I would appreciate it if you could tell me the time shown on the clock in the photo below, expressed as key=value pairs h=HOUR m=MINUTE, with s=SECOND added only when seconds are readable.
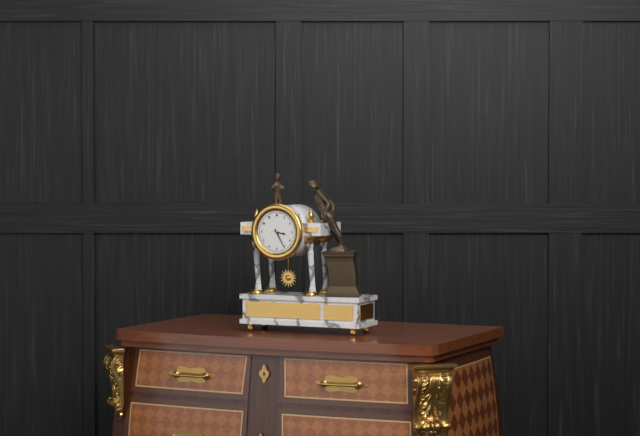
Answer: h=3 m=25
